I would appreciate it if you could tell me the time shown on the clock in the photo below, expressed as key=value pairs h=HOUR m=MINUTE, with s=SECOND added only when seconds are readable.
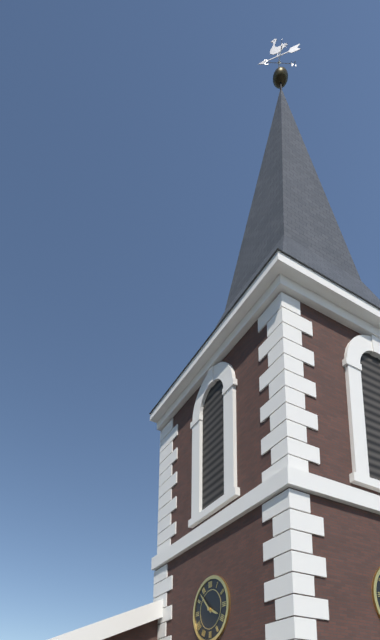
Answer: h=3 m=53
